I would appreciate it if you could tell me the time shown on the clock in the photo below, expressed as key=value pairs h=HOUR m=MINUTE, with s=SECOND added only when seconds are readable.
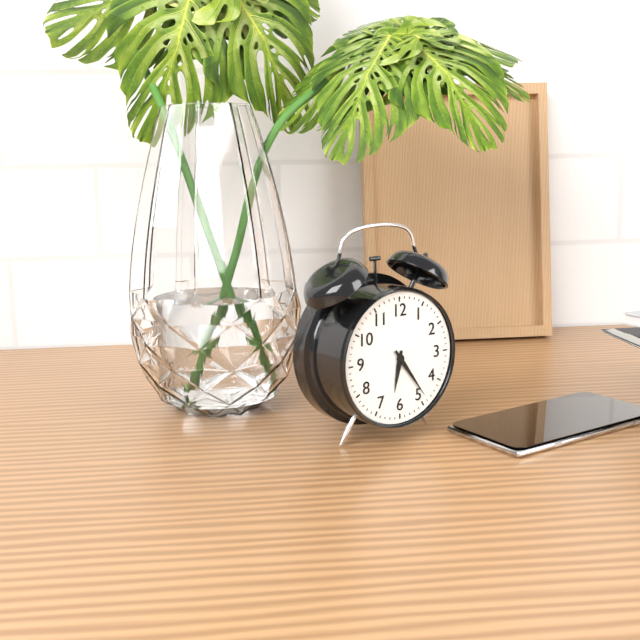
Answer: h=6 m=24
